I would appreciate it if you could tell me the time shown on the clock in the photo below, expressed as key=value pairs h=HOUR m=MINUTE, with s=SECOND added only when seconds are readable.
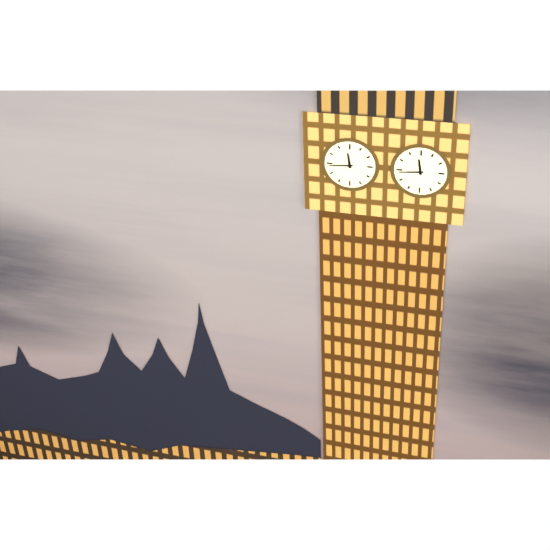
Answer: h=11 m=44
